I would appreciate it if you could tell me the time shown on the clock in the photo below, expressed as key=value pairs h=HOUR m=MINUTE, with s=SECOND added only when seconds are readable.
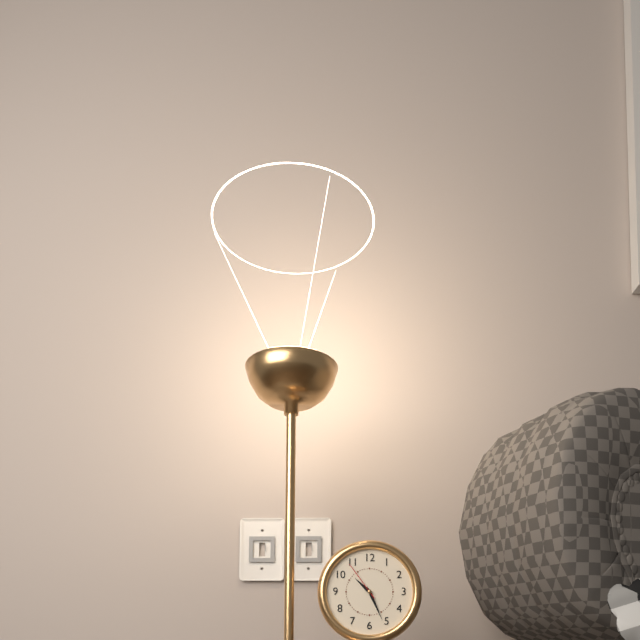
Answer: h=10 m=26
